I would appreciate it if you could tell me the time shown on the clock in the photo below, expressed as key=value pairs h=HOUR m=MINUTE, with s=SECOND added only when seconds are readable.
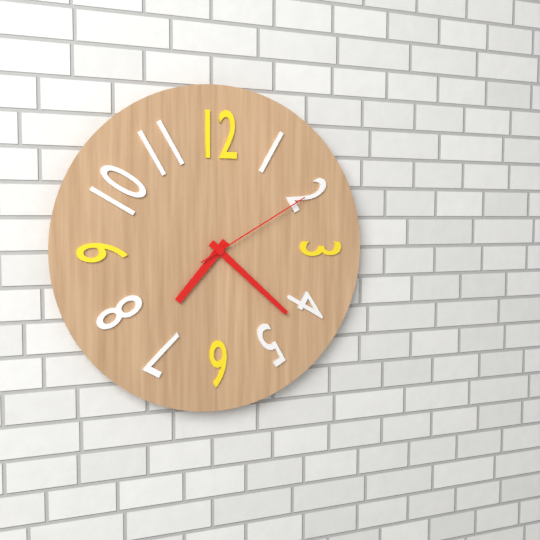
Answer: h=7 m=22 s=10
